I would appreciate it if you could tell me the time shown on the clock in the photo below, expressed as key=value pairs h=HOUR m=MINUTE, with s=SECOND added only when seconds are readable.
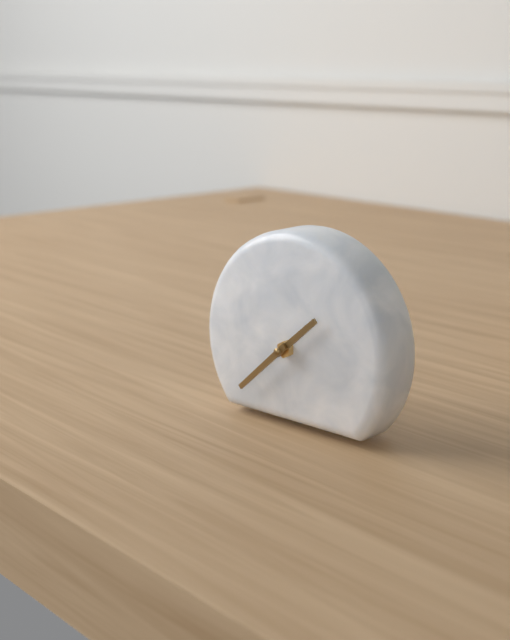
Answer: h=1 m=38
